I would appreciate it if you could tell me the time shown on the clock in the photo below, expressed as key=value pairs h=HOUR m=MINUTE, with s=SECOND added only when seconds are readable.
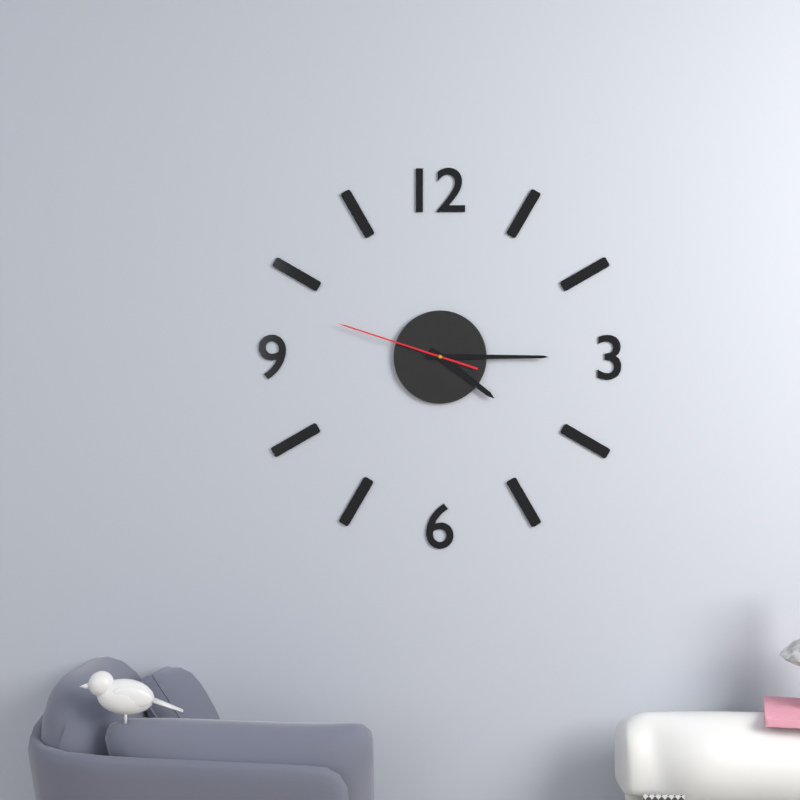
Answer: h=4 m=15 s=48
